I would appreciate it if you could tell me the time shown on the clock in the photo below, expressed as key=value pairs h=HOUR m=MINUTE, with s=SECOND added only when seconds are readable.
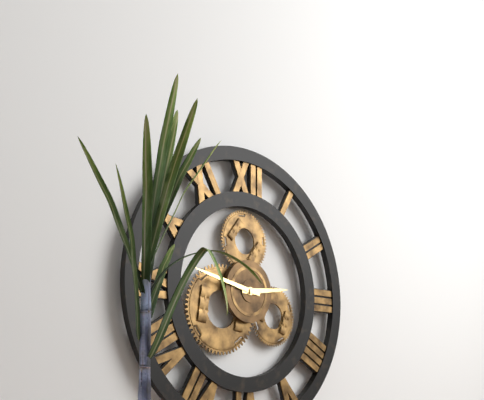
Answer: h=2 m=47
